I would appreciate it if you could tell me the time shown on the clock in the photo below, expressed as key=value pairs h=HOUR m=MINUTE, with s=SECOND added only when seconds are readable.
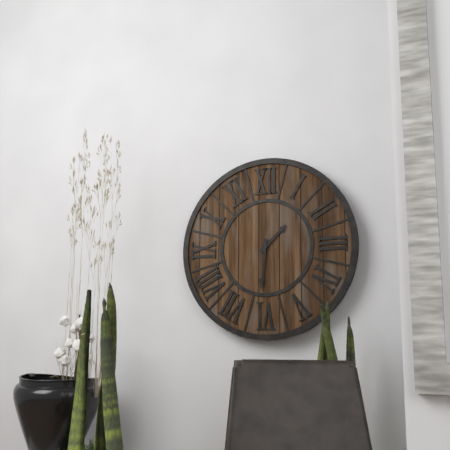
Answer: h=1 m=31
